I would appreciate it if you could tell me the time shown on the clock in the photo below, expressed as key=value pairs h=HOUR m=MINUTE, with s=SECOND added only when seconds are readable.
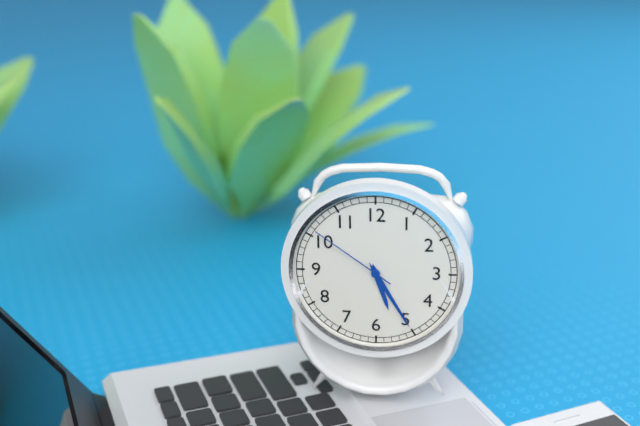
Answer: h=5 m=25 s=51
